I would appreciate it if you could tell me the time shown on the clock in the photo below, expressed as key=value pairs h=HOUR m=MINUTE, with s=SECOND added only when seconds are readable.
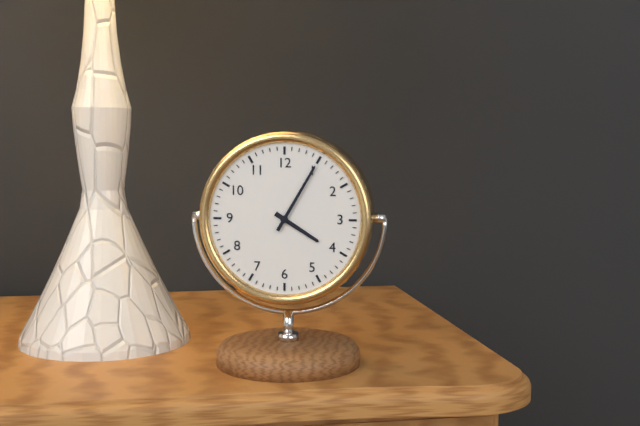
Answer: h=4 m=5
